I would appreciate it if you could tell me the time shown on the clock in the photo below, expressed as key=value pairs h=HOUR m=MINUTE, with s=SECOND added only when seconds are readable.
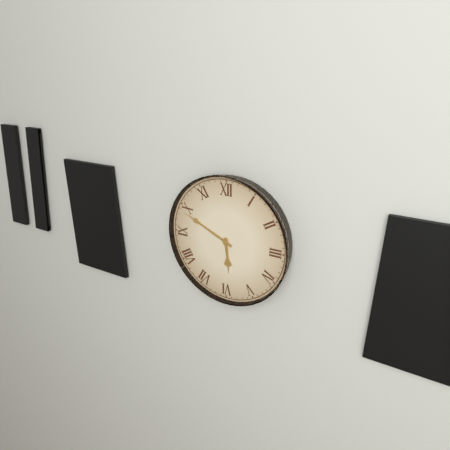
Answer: h=5 m=49
